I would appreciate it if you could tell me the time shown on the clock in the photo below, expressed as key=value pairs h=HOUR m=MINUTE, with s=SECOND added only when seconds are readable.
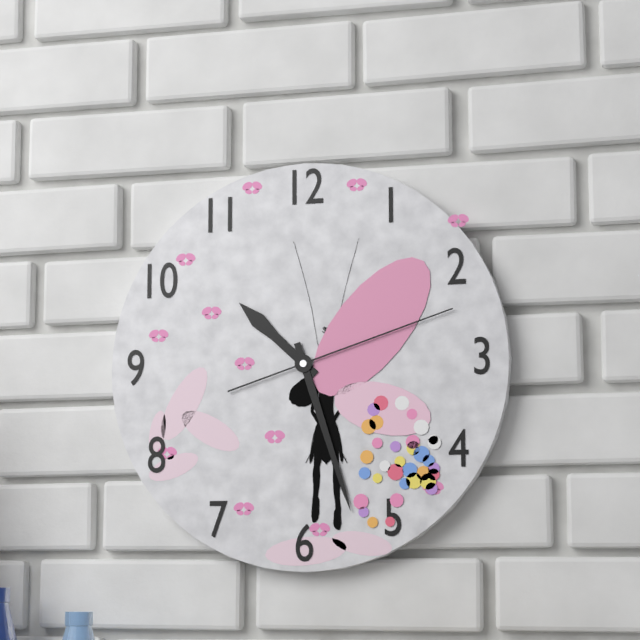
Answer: h=10 m=27 s=12
